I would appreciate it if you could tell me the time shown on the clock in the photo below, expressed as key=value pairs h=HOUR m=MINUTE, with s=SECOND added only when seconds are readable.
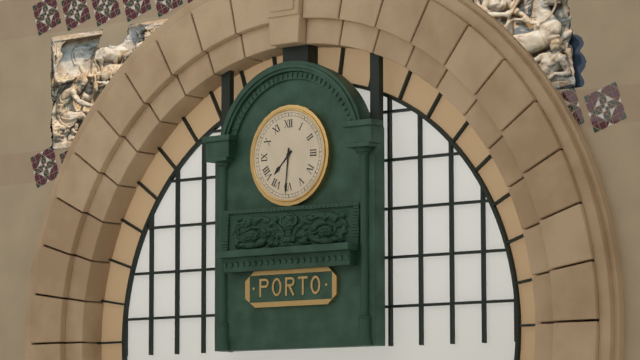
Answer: h=7 m=31
